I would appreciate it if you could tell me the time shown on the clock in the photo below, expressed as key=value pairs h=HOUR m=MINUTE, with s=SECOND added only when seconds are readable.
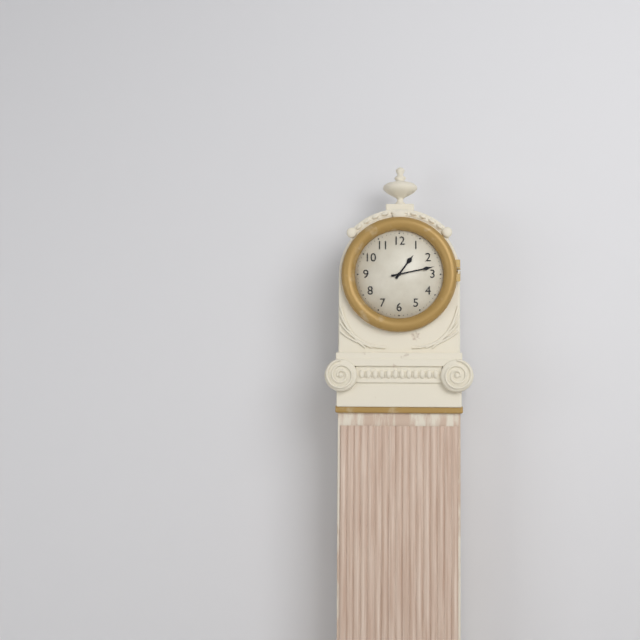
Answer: h=1 m=13
